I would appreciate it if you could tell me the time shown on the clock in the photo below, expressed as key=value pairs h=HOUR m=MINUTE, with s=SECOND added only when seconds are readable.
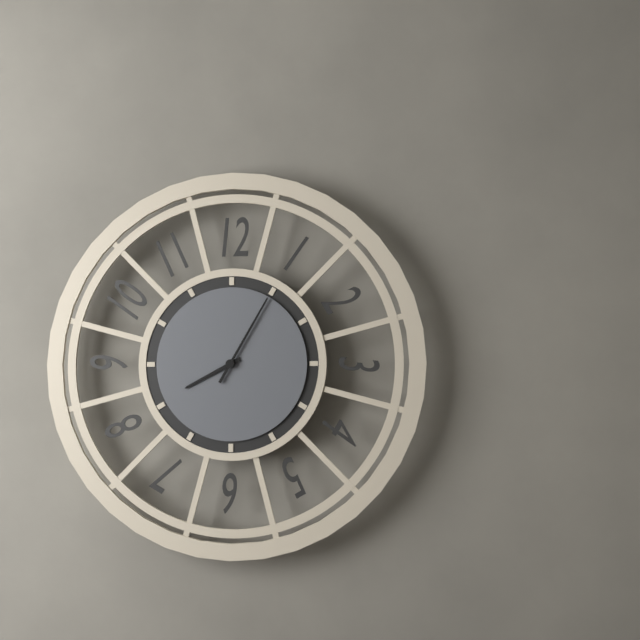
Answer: h=8 m=5
